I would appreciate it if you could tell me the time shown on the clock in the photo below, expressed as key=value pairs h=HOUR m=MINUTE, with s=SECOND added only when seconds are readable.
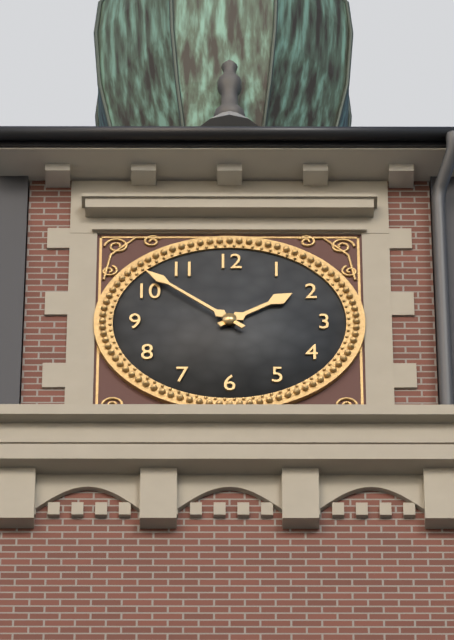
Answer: h=1 m=52
